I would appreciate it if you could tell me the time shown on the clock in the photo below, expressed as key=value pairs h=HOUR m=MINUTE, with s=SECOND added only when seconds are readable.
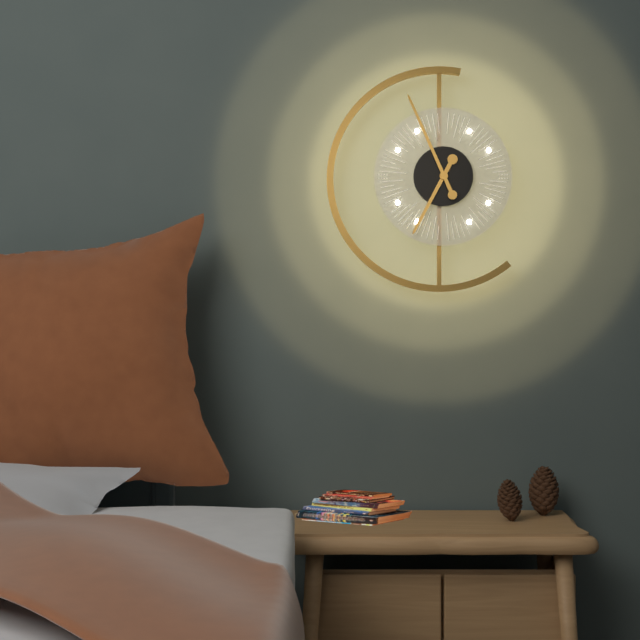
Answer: h=6 m=56
